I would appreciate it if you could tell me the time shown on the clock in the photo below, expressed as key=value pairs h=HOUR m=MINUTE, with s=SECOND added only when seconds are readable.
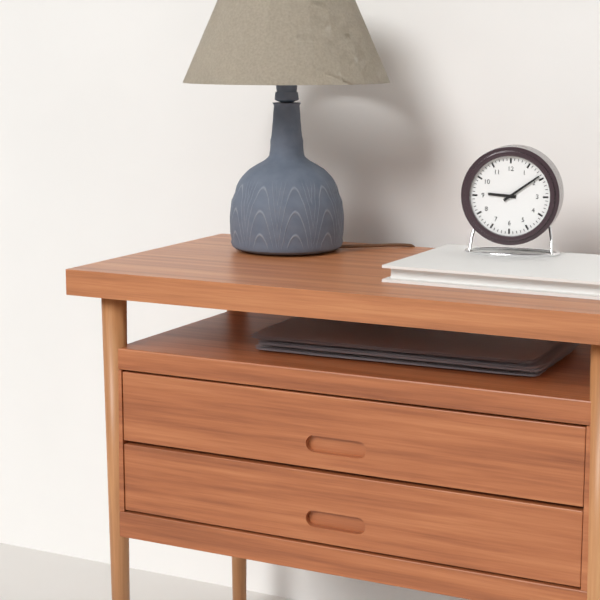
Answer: h=9 m=9
